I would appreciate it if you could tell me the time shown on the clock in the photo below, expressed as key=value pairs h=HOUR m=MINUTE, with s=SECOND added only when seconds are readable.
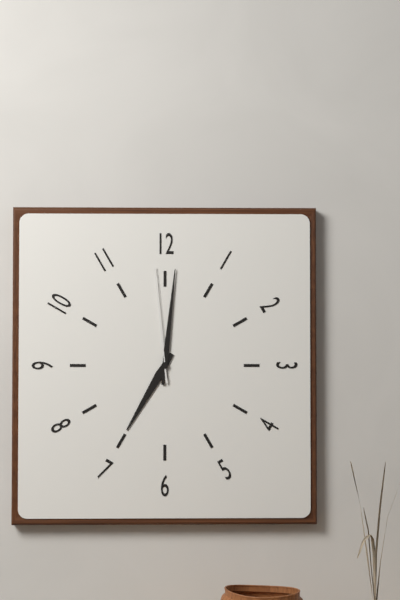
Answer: h=7 m=1 s=59
